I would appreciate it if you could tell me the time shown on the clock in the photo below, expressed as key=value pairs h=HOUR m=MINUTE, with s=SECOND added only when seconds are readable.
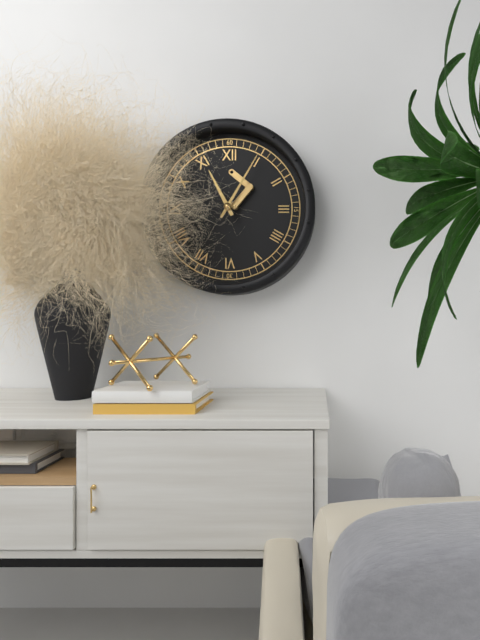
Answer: h=11 m=5
